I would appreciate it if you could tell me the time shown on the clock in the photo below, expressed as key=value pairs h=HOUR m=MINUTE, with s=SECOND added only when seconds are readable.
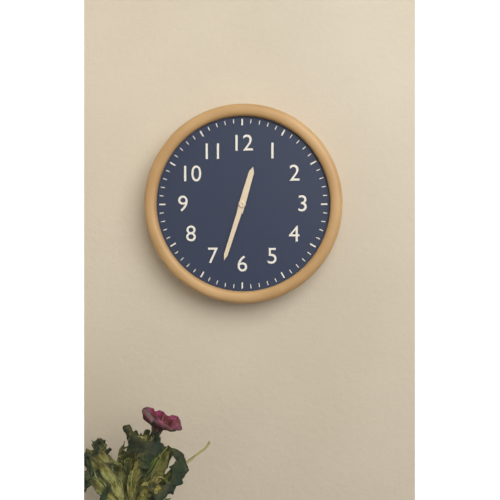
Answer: h=12 m=33
